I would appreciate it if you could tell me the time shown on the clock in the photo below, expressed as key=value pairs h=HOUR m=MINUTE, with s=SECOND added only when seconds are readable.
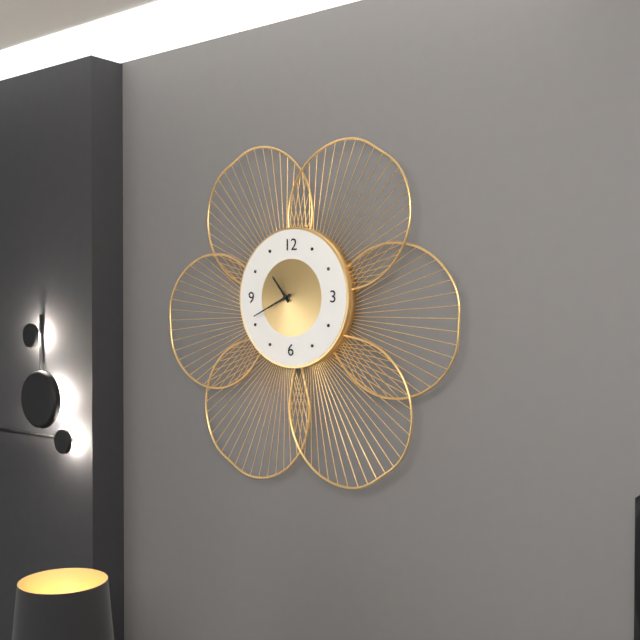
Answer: h=10 m=41
